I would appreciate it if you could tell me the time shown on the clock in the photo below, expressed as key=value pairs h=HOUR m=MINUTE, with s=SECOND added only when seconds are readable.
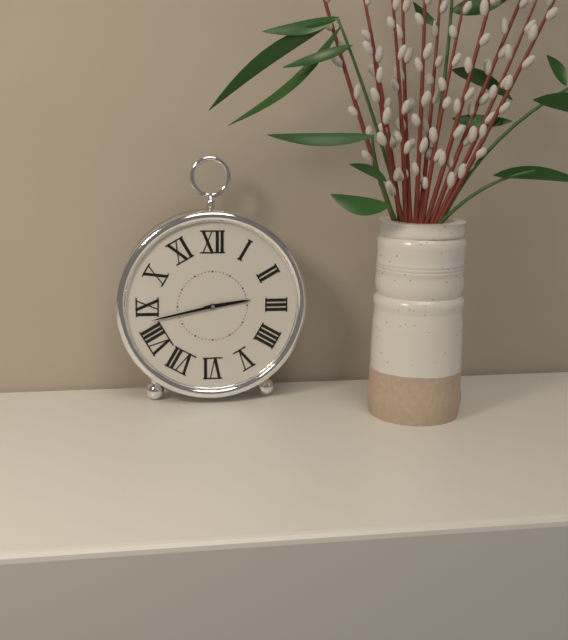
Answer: h=2 m=43
